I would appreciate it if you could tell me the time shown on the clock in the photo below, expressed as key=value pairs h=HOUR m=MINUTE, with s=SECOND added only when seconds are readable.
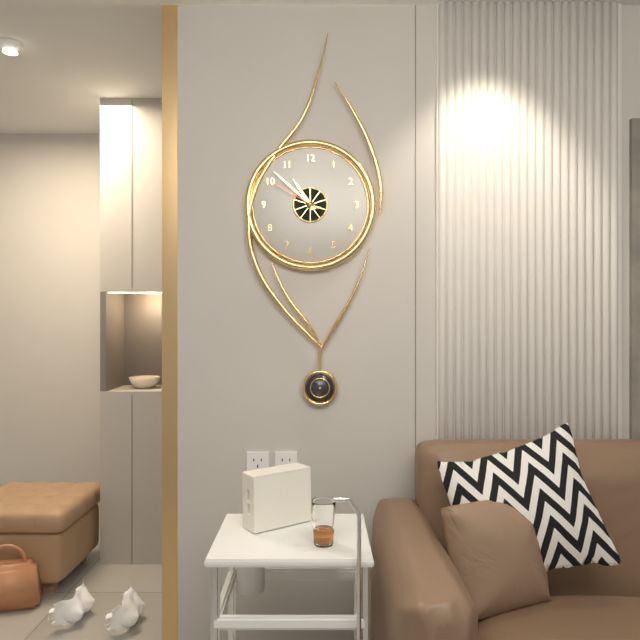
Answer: h=10 m=52 s=50
